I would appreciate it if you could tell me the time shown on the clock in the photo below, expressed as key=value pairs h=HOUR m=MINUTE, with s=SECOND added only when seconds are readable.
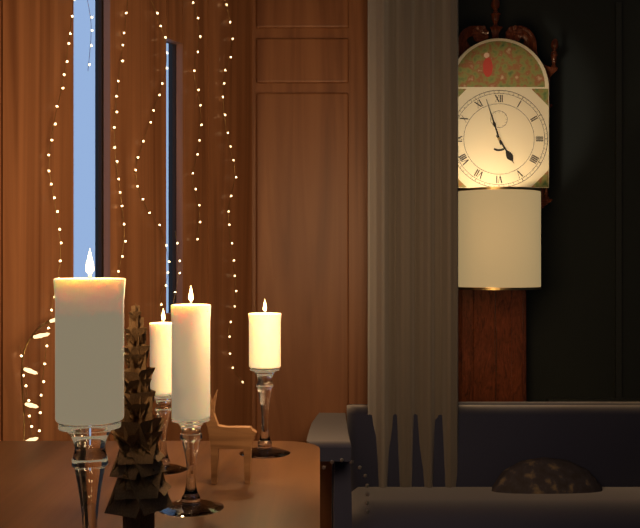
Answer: h=4 m=57
